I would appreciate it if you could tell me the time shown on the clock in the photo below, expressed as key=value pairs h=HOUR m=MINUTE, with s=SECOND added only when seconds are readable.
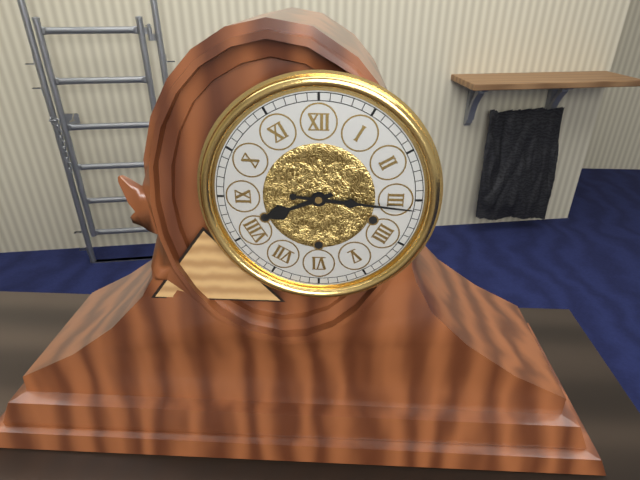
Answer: h=8 m=16
